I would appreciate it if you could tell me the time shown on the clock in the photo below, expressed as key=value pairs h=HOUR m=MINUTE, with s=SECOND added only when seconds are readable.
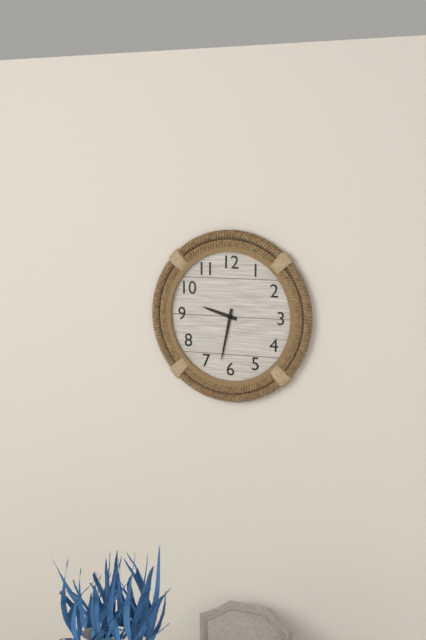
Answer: h=9 m=32
